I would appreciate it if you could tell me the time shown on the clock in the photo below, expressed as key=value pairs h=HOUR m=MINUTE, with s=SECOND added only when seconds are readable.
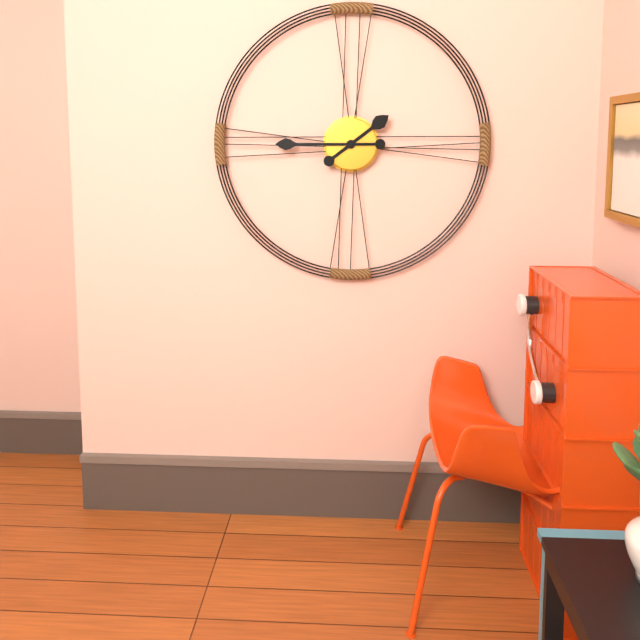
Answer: h=1 m=45
